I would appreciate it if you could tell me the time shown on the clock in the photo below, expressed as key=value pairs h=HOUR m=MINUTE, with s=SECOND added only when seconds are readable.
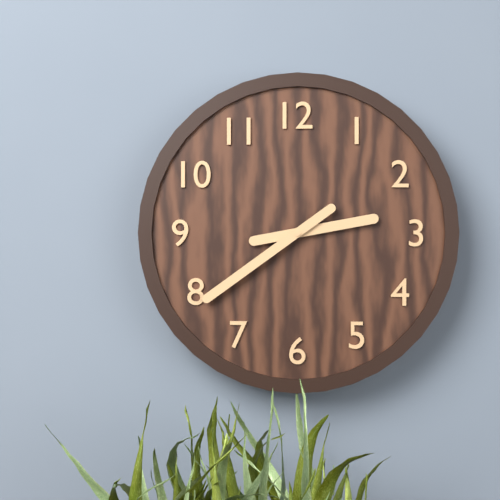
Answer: h=2 m=39
